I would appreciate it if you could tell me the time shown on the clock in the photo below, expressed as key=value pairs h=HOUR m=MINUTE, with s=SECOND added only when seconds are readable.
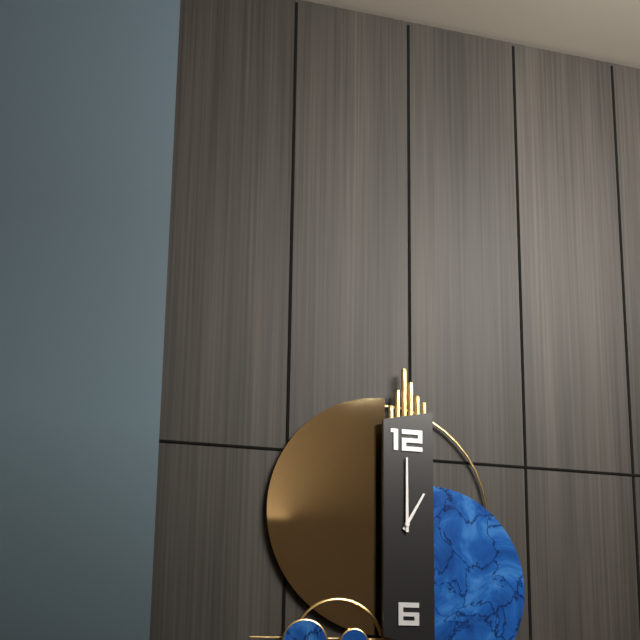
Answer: h=1 m=0
